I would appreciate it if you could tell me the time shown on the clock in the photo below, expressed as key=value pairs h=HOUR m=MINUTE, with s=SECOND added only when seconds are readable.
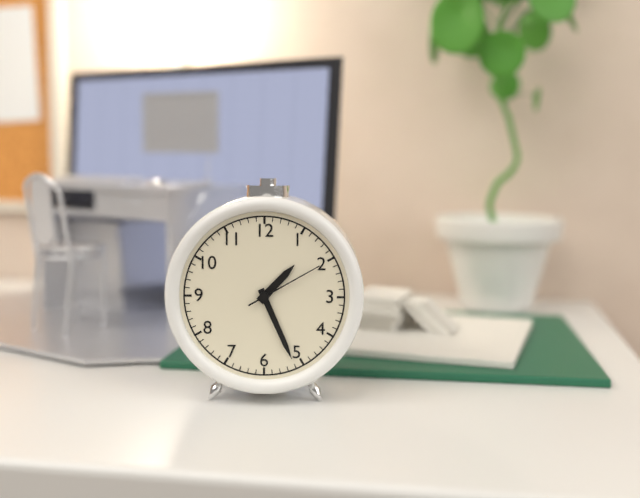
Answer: h=1 m=26 s=10
